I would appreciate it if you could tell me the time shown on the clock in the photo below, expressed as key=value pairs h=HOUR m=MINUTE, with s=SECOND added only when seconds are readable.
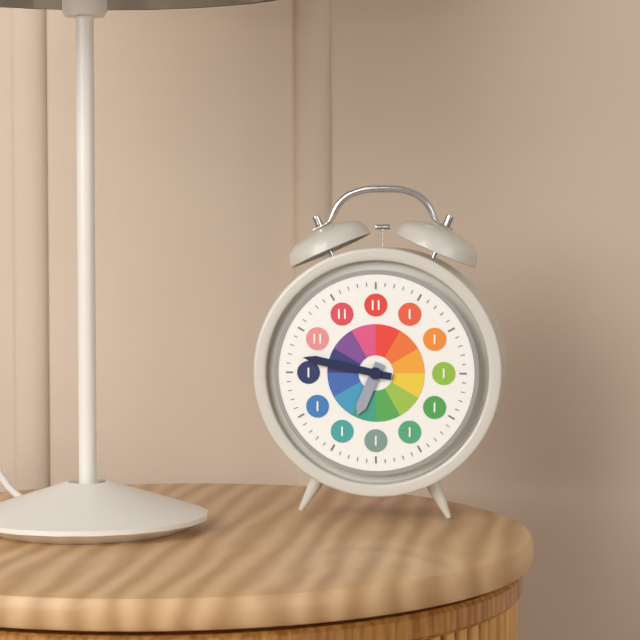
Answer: h=6 m=47
